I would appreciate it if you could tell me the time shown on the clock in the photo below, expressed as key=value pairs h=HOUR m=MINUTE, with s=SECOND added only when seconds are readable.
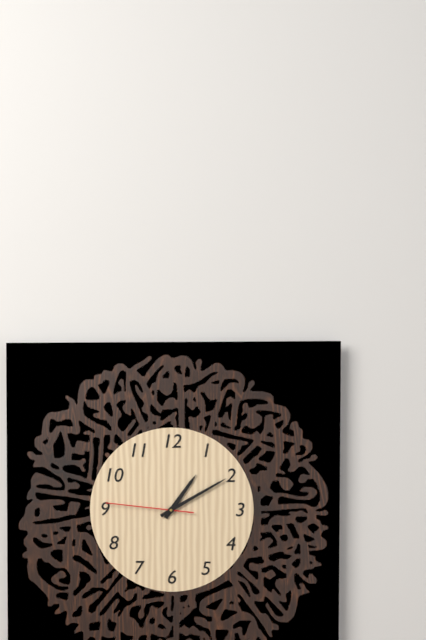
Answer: h=1 m=10 s=46
